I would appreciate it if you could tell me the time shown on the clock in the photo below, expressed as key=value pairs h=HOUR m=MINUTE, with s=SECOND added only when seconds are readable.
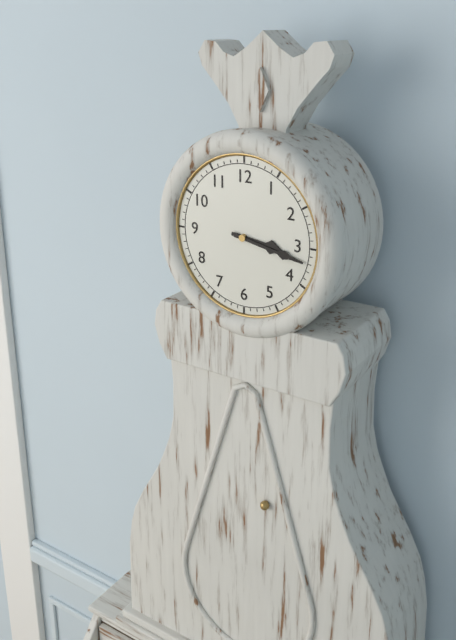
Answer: h=3 m=17
